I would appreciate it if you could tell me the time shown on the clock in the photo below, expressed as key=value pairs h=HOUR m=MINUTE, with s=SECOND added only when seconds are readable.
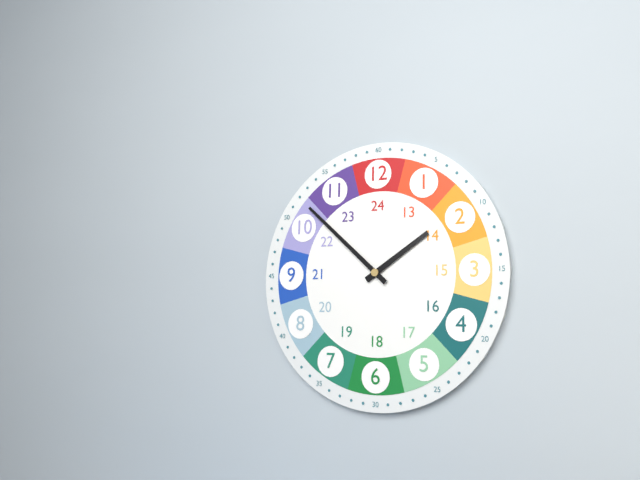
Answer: h=1 m=52
